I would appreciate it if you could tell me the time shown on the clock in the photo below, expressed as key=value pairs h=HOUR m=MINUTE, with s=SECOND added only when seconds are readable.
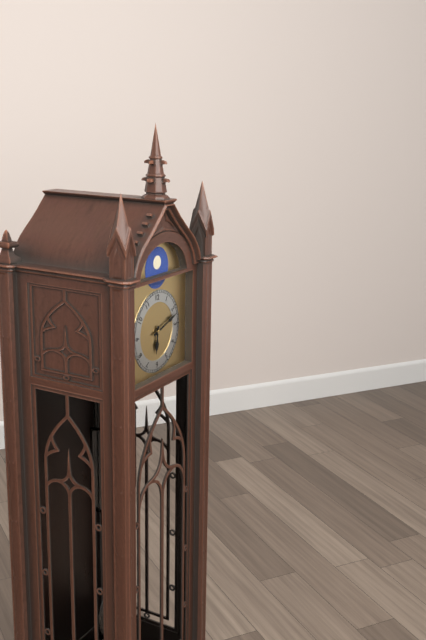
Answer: h=6 m=12
